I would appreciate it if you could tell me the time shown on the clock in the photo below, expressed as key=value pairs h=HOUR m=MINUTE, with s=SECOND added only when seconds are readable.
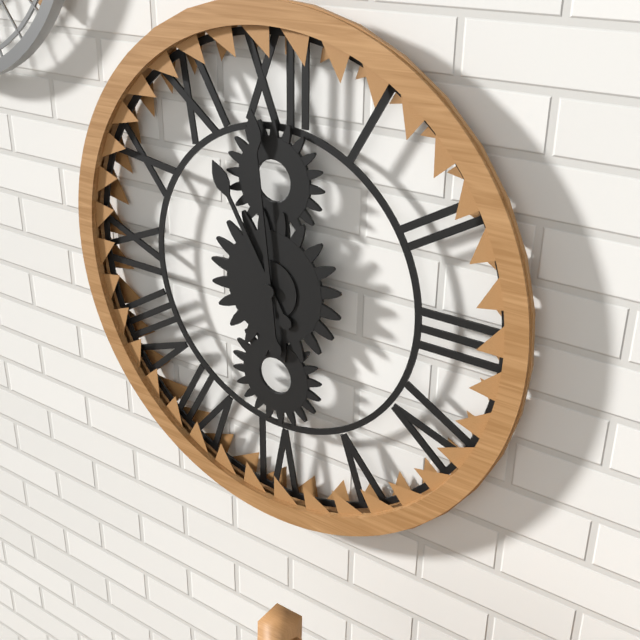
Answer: h=10 m=59
